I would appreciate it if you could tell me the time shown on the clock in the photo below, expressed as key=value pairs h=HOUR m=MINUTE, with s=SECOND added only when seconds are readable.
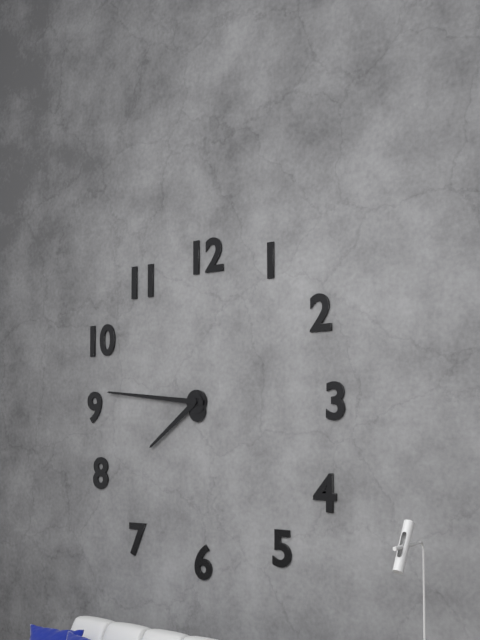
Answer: h=7 m=46
